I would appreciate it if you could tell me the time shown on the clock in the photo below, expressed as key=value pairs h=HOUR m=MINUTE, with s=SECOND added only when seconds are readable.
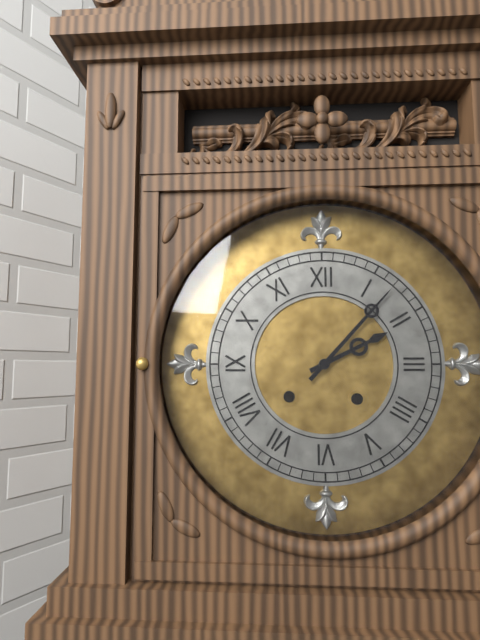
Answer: h=2 m=7
